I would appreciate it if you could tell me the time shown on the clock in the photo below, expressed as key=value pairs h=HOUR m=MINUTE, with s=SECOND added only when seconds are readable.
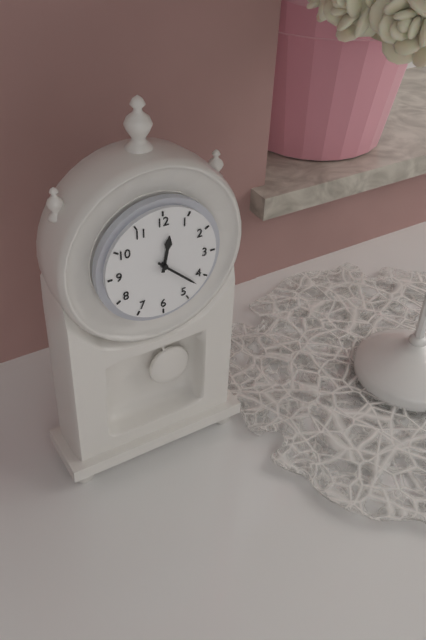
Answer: h=12 m=22
